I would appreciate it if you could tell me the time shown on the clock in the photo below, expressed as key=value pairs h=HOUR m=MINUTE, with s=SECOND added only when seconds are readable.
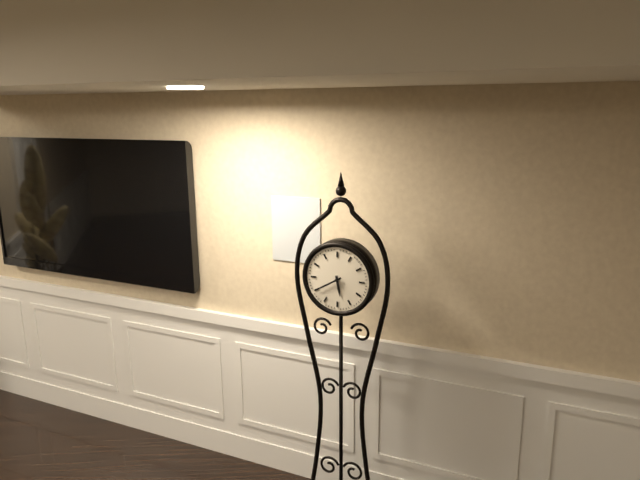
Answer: h=5 m=40
